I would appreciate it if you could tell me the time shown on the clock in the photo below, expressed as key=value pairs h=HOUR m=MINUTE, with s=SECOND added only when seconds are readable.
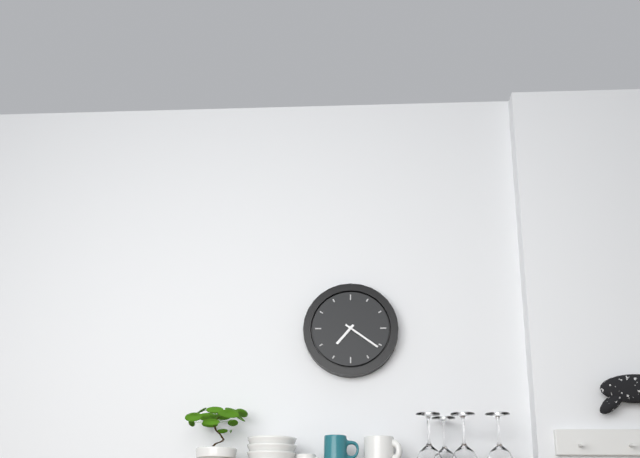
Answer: h=7 m=21
